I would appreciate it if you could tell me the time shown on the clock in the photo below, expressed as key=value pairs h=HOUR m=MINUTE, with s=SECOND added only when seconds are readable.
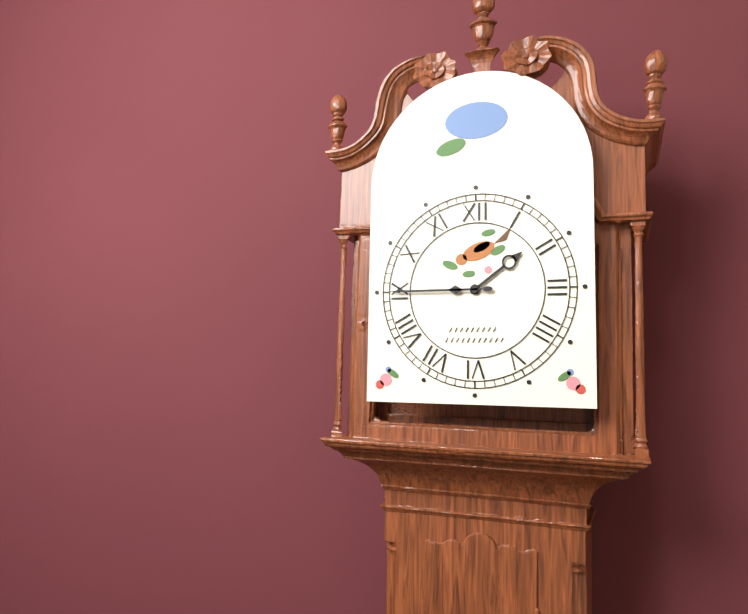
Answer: h=1 m=45
